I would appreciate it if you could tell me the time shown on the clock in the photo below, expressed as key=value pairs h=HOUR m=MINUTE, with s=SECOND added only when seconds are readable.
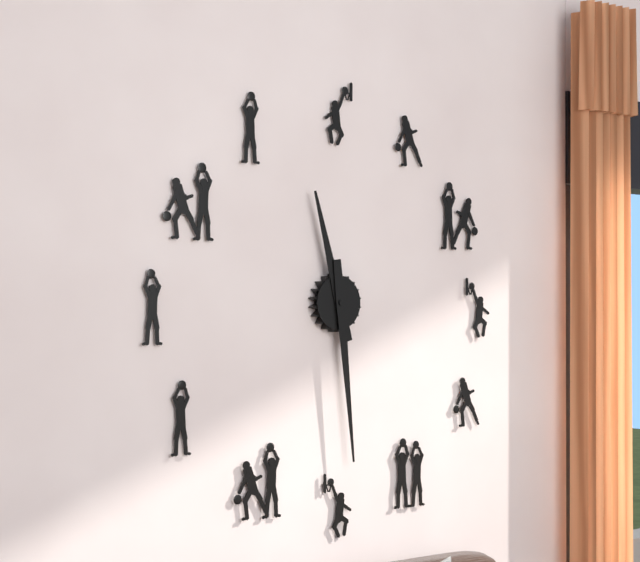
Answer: h=11 m=29
